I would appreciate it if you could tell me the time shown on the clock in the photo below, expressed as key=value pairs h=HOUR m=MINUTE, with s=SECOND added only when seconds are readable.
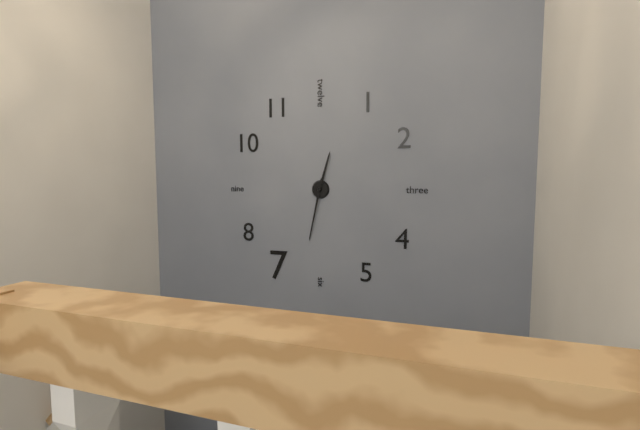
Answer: h=12 m=32
